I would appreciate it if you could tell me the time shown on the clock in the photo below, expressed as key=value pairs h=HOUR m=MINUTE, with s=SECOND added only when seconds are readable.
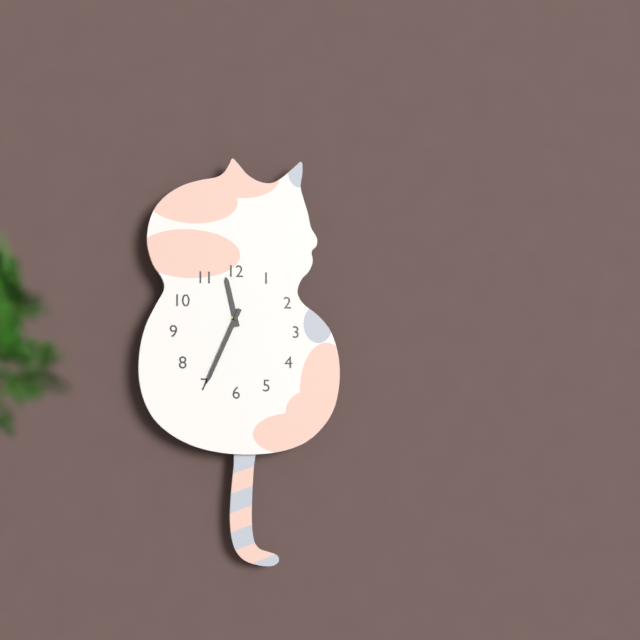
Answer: h=11 m=34
